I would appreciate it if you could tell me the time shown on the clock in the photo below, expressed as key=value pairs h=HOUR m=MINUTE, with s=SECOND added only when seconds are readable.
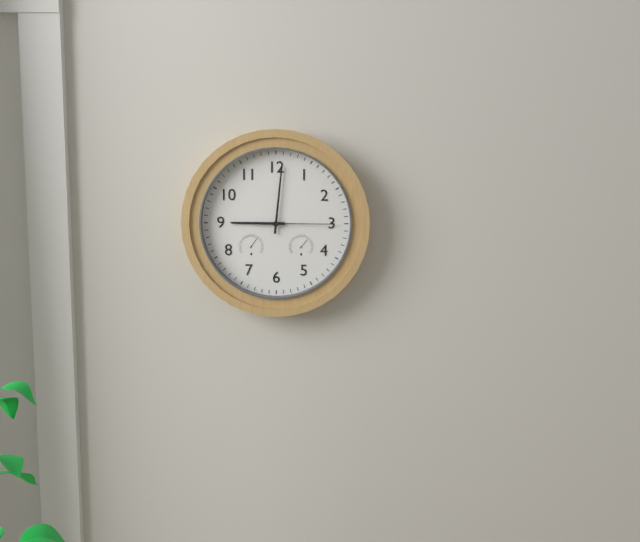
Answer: h=9 m=1 s=15
